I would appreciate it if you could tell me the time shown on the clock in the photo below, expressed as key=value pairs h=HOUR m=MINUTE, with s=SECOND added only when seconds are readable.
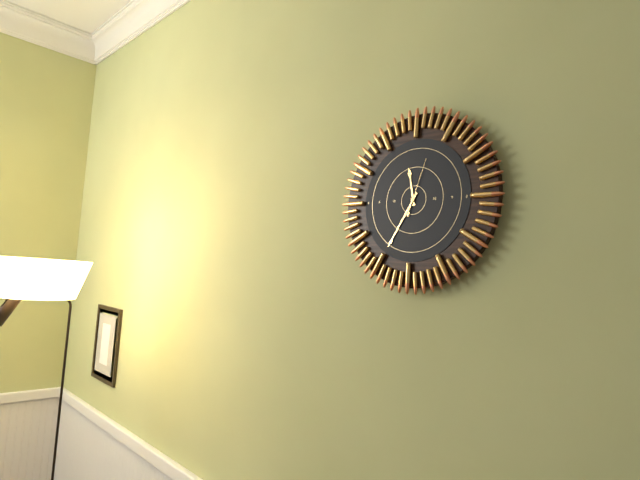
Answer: h=11 m=35 s=3
